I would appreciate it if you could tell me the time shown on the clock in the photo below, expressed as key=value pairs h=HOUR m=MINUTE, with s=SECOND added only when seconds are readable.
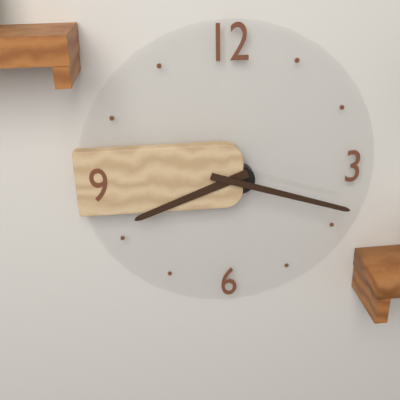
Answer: h=8 m=18
